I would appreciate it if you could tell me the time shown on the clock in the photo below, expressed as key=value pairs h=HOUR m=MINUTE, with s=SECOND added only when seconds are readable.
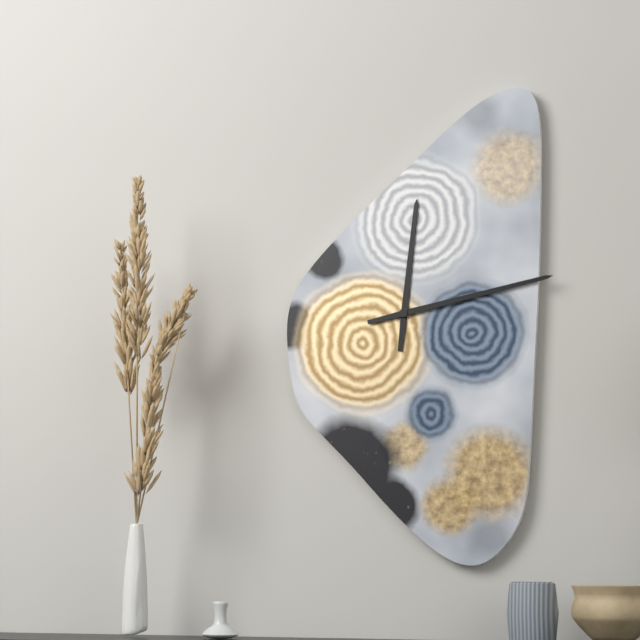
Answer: h=12 m=13
